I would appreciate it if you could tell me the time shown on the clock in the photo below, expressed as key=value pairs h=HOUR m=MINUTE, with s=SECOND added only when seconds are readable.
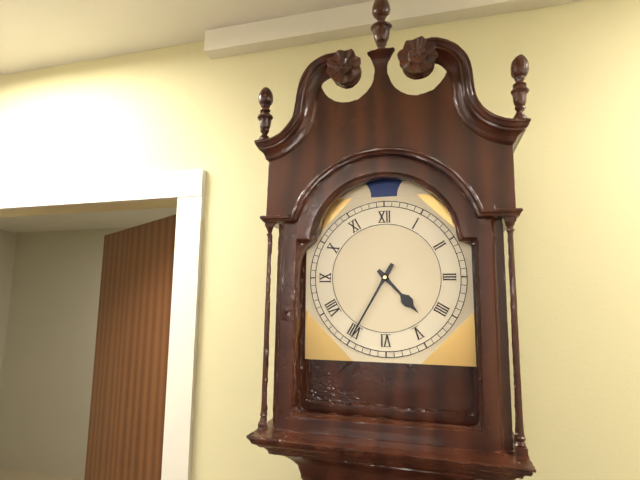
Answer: h=4 m=35
